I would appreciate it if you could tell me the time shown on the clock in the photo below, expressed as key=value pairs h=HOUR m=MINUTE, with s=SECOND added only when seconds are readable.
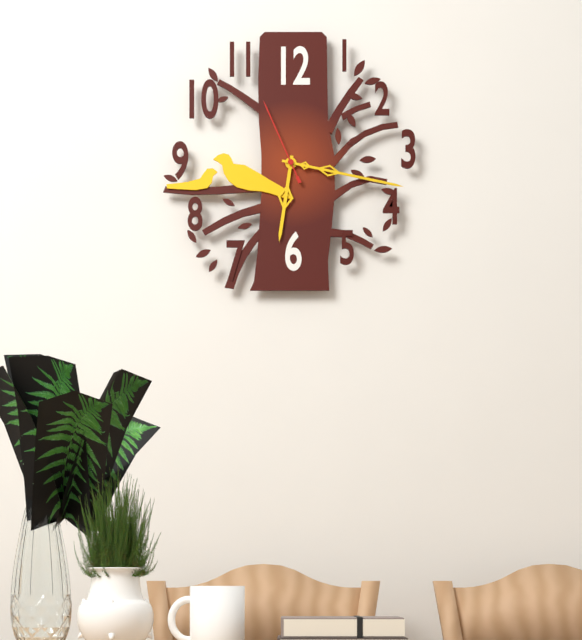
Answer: h=6 m=17 s=56
